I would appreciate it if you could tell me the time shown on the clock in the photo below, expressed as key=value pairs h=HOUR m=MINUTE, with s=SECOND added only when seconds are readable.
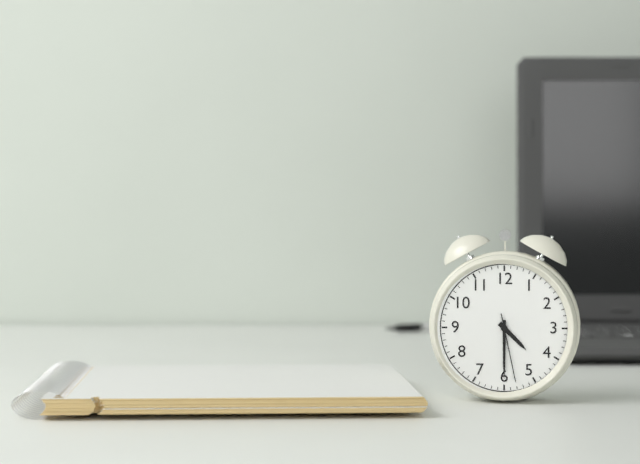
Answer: h=4 m=30 s=28
